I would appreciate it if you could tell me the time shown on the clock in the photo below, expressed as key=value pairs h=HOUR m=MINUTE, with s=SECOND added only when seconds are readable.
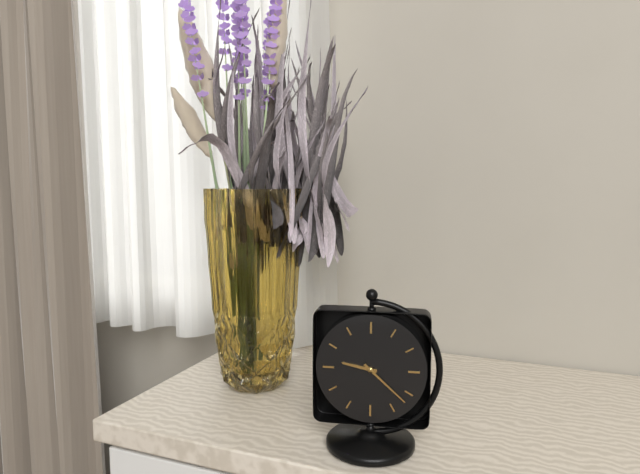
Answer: h=9 m=22
